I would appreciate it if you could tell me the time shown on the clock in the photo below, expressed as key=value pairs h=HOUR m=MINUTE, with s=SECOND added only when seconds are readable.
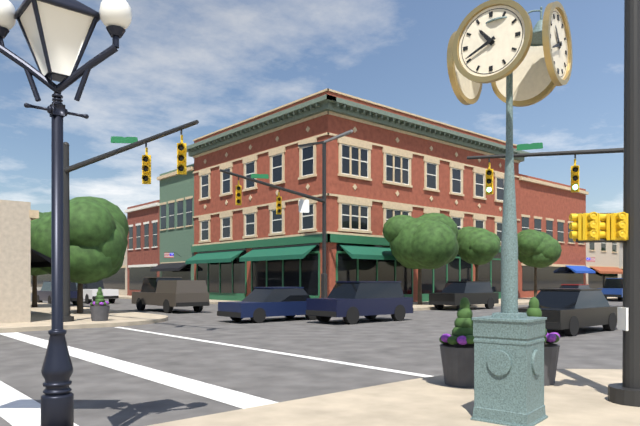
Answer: h=10 m=41
